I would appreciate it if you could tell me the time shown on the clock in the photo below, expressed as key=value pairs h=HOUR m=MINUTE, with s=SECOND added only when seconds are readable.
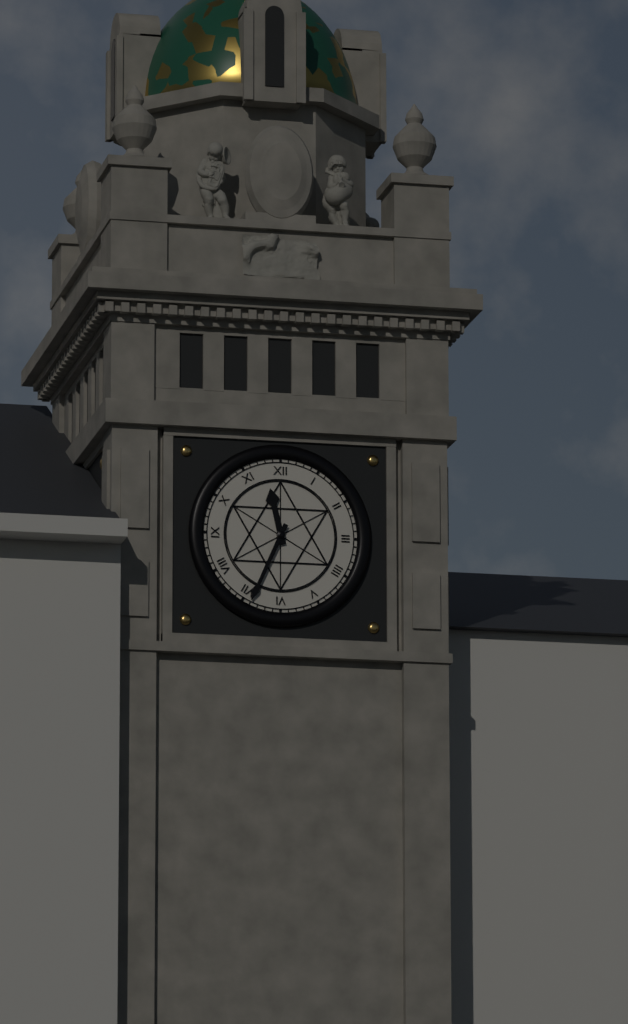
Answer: h=11 m=34
